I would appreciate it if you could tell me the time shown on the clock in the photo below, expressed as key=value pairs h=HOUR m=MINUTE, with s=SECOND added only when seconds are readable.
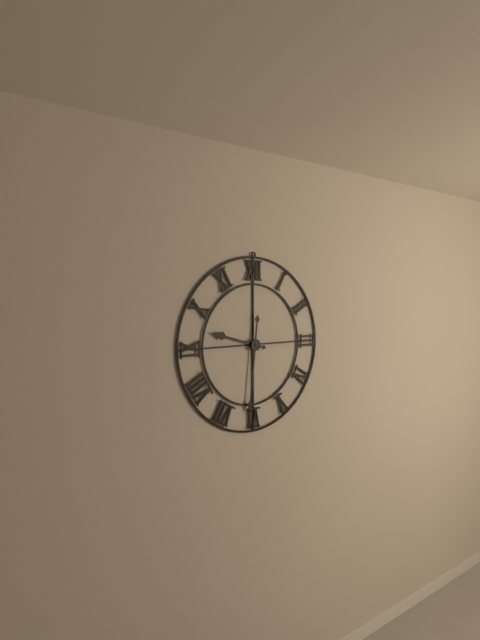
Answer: h=9 m=31
